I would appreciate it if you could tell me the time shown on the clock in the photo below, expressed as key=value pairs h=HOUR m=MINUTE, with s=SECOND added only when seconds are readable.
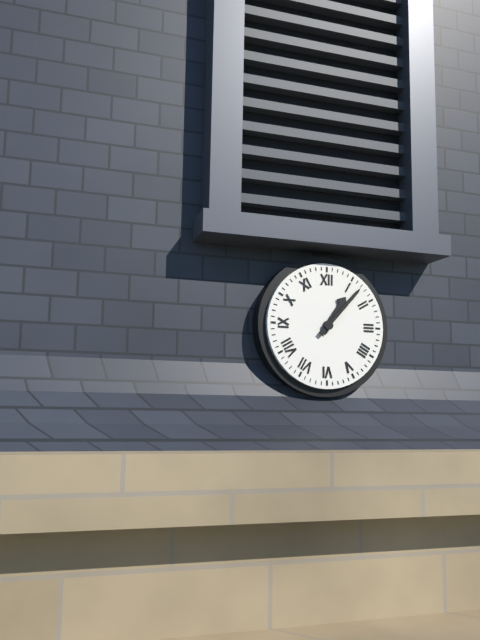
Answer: h=1 m=7
